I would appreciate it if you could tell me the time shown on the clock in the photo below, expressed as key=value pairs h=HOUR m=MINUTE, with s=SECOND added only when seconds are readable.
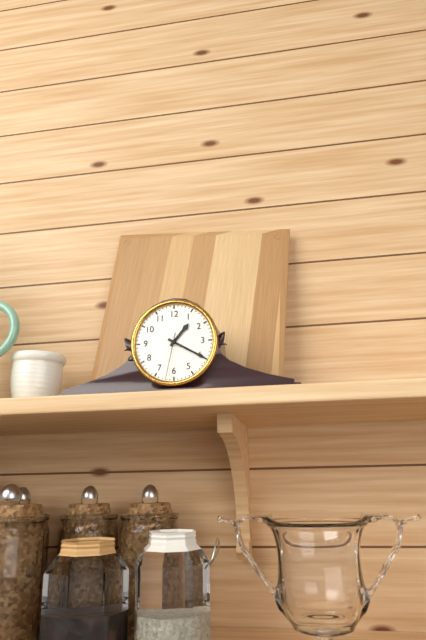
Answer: h=1 m=20
